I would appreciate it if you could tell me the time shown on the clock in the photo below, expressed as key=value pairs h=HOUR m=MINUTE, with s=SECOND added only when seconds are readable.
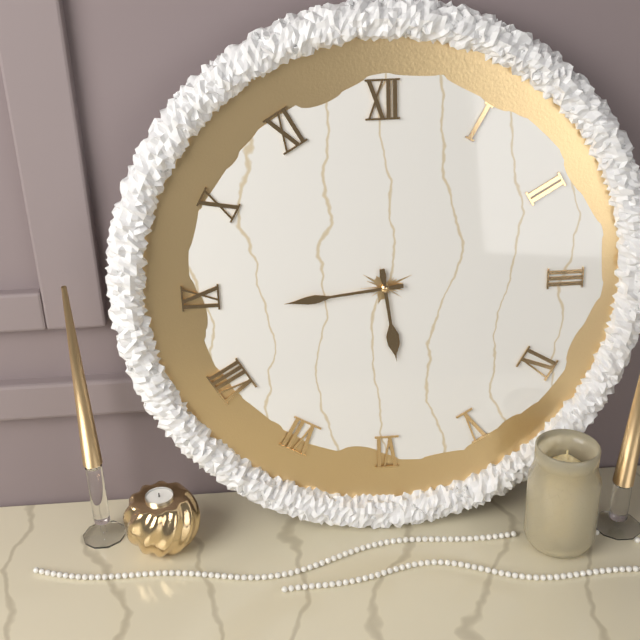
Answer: h=5 m=44
